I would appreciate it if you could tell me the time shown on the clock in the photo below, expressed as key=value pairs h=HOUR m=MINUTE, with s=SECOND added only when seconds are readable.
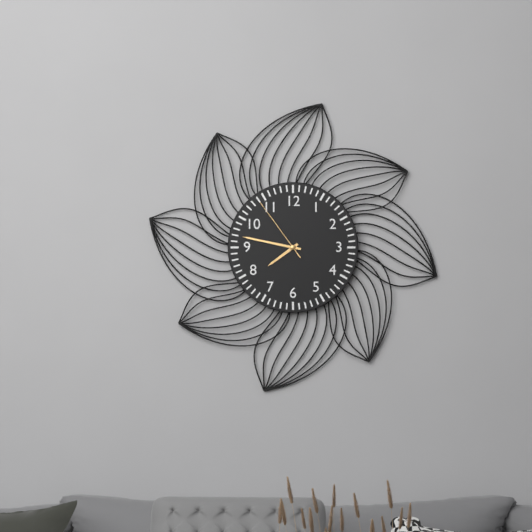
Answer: h=7 m=47 s=54
